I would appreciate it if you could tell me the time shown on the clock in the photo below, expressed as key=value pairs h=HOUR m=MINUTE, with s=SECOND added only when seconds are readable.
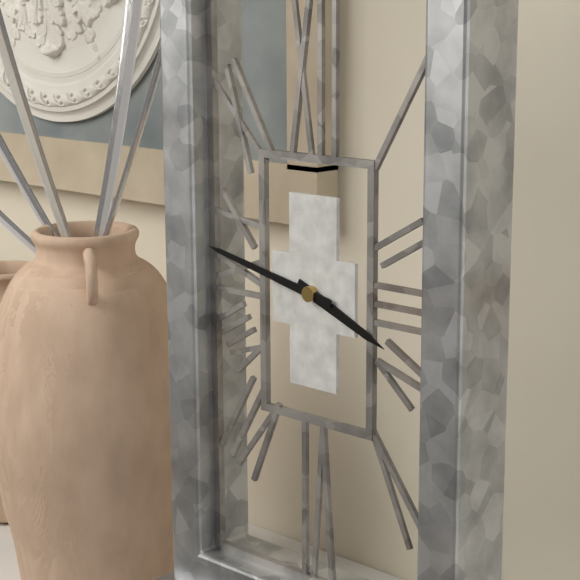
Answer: h=3 m=47
